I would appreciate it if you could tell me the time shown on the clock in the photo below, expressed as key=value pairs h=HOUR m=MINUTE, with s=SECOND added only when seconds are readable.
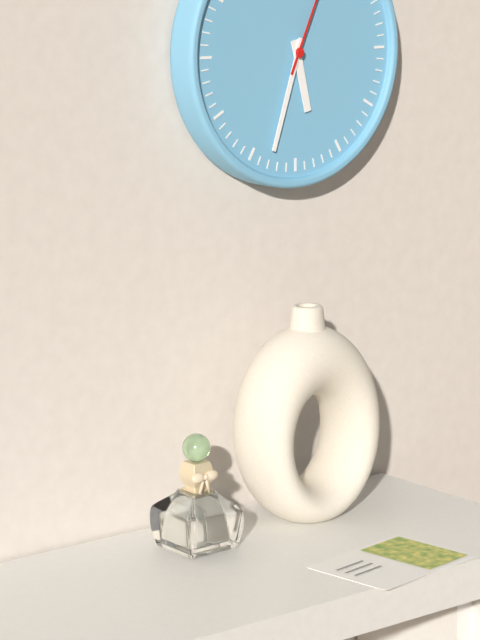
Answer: h=5 m=33
